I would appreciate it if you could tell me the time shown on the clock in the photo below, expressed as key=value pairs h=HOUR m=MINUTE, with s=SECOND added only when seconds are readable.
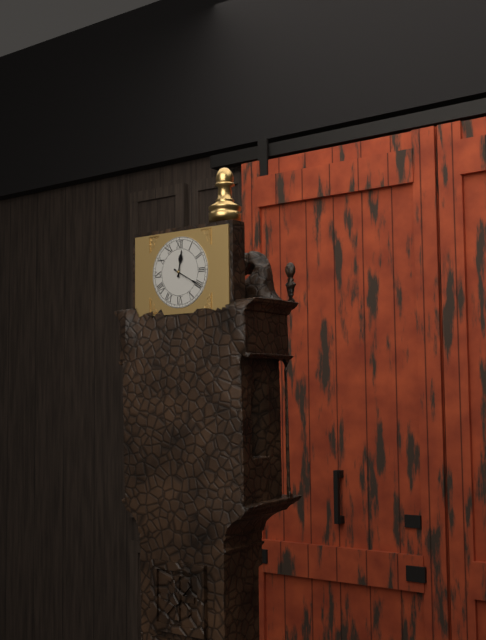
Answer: h=12 m=20
